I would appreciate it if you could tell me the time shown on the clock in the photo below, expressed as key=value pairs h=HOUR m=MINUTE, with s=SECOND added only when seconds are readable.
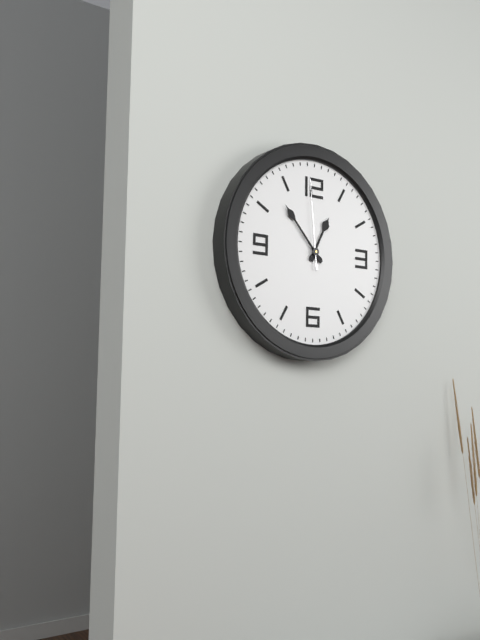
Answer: h=12 m=53 s=59
